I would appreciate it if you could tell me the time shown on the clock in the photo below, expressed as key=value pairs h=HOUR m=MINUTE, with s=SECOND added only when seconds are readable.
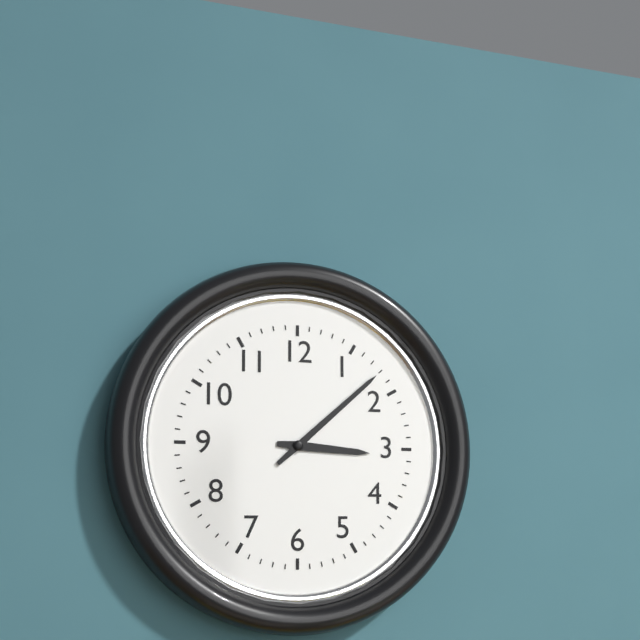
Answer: h=3 m=8
